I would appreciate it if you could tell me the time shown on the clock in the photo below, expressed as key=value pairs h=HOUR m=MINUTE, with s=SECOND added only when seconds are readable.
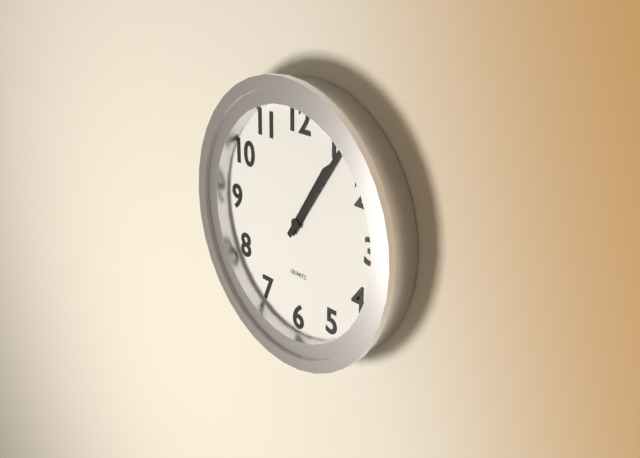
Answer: h=1 m=6
